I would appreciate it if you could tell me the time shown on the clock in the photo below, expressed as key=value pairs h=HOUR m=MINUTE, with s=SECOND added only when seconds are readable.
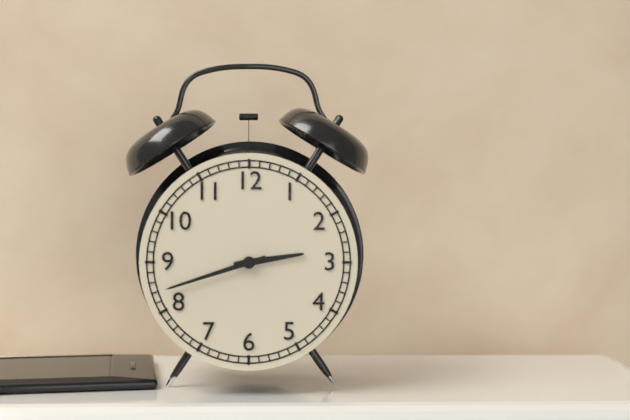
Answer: h=2 m=42
